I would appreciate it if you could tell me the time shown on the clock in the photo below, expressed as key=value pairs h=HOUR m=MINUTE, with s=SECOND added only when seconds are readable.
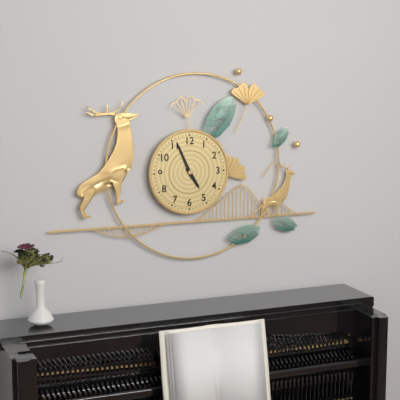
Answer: h=4 m=56
